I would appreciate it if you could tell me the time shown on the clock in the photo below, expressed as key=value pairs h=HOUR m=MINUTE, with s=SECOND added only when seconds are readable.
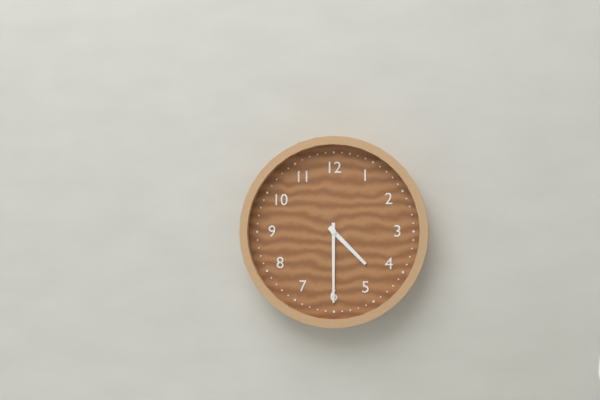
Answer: h=4 m=30
